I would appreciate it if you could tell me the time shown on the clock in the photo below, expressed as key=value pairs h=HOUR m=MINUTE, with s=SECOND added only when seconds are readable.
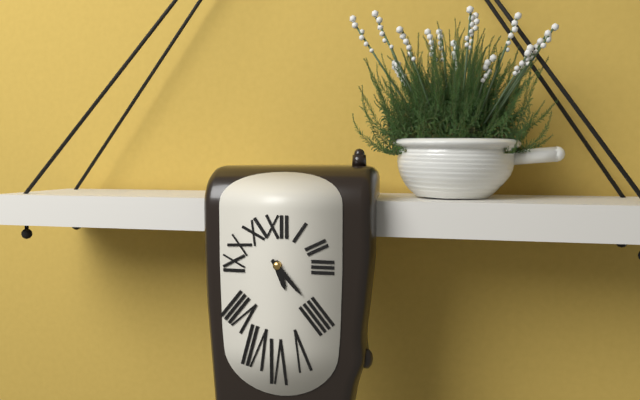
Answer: h=5 m=23
